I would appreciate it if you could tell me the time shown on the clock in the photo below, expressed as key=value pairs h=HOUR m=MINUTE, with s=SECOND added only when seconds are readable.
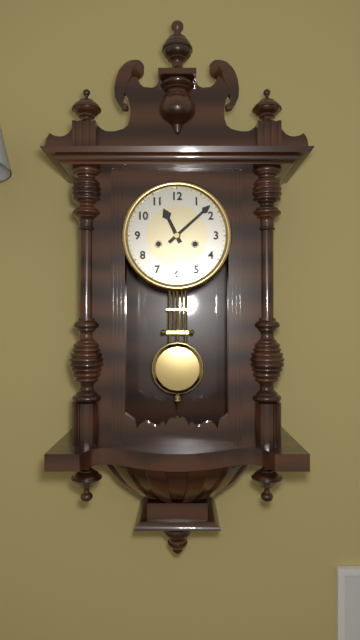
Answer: h=11 m=8
